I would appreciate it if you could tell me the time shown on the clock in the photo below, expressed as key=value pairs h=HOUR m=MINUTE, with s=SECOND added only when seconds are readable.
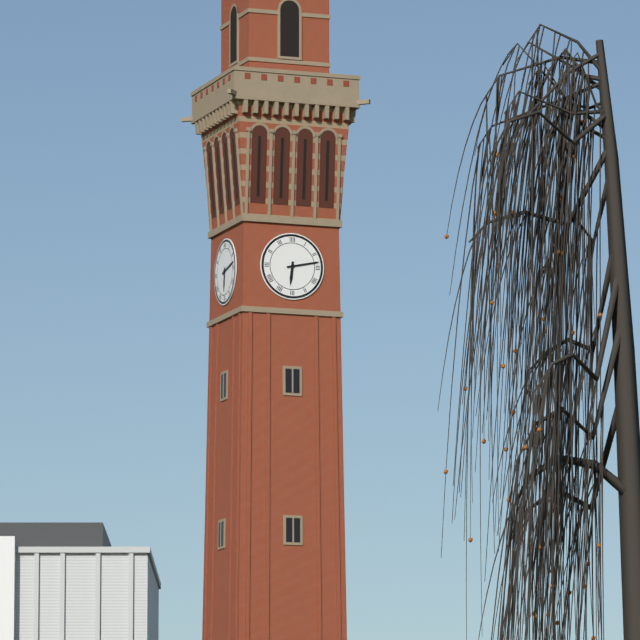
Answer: h=6 m=13
